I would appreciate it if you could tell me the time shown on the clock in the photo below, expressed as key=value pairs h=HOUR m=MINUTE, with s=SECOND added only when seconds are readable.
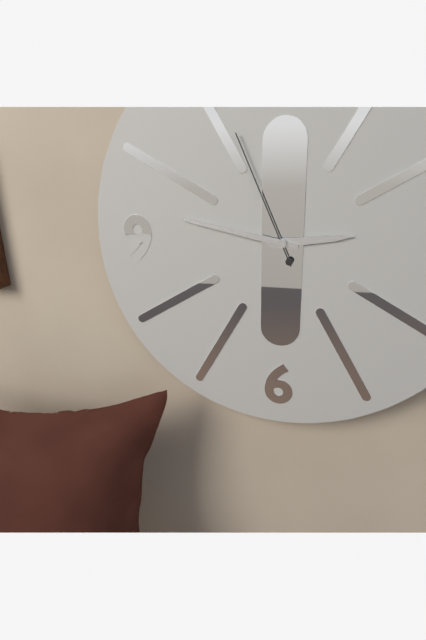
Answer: h=2 m=47 s=56
